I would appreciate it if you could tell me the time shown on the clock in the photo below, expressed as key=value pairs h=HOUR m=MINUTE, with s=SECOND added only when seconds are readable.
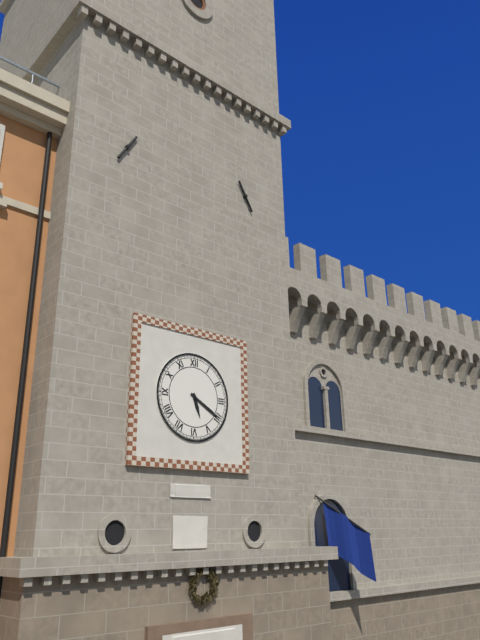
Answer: h=5 m=20
